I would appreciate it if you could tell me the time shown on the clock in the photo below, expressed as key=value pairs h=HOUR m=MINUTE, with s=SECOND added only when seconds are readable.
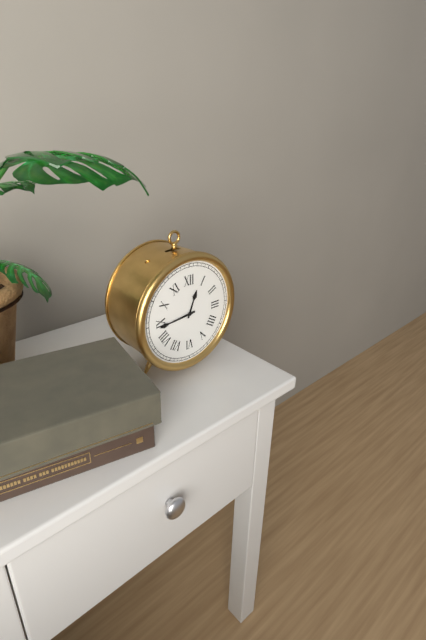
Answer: h=12 m=44
